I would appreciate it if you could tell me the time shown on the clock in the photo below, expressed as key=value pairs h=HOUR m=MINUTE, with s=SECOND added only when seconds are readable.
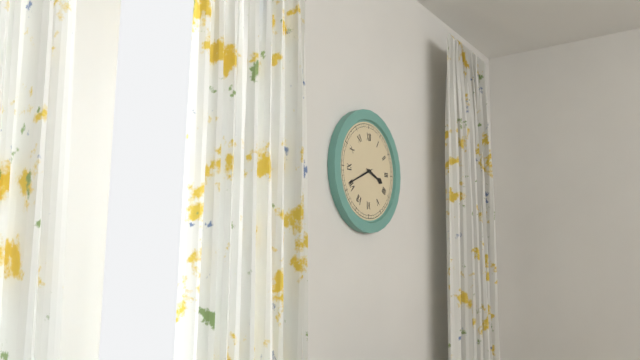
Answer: h=3 m=41
